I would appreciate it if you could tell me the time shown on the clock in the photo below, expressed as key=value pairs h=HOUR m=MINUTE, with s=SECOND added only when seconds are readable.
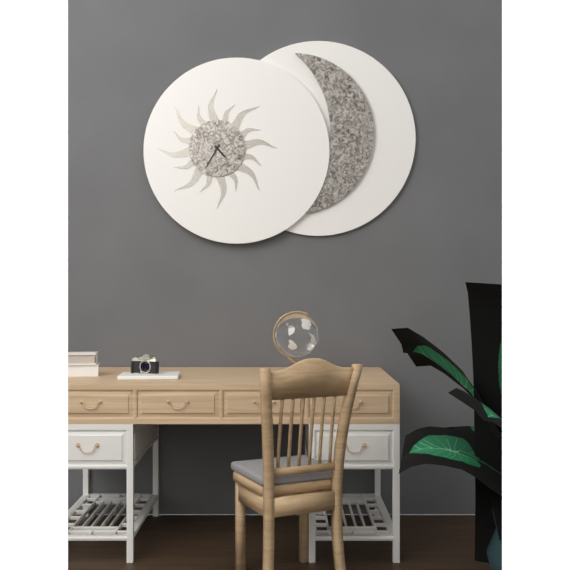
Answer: h=4 m=35
